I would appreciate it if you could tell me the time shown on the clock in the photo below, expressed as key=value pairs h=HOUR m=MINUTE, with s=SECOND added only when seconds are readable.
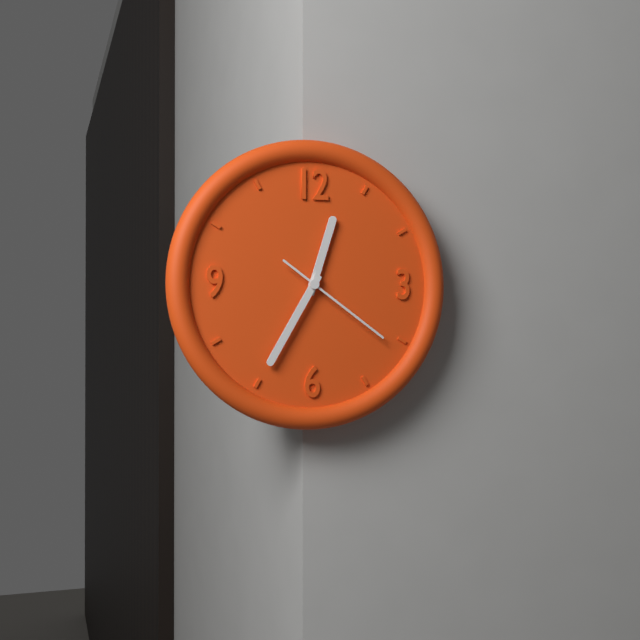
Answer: h=12 m=35 s=21
